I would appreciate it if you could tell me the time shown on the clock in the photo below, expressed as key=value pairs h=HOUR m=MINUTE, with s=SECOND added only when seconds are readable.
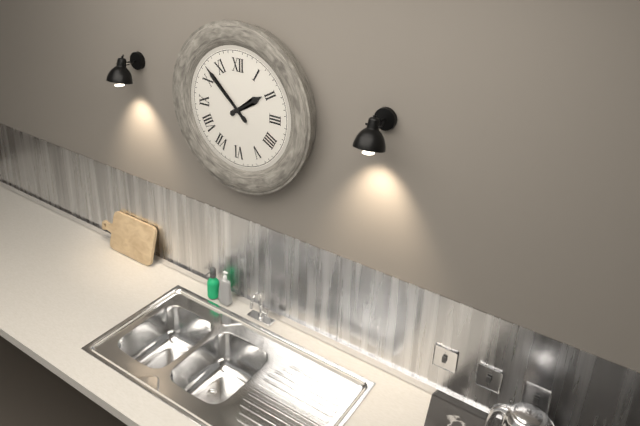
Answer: h=1 m=52
